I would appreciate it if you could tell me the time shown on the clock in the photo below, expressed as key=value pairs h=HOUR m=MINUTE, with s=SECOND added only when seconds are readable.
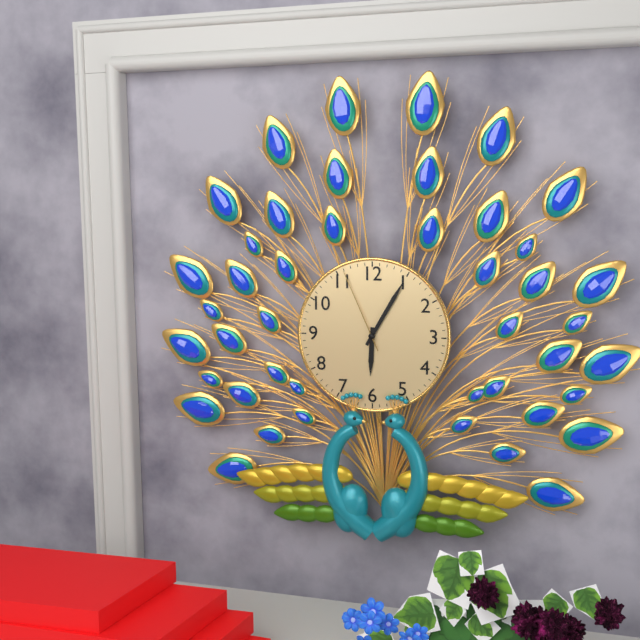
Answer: h=6 m=5 s=56
